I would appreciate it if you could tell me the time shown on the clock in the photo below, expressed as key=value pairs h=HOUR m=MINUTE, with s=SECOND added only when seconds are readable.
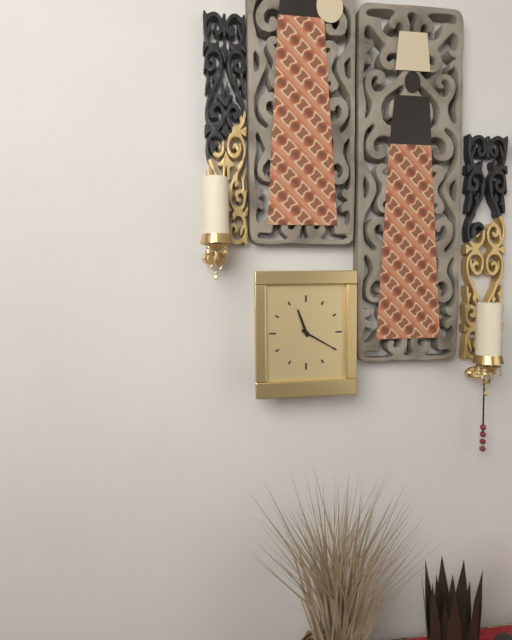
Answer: h=11 m=20
